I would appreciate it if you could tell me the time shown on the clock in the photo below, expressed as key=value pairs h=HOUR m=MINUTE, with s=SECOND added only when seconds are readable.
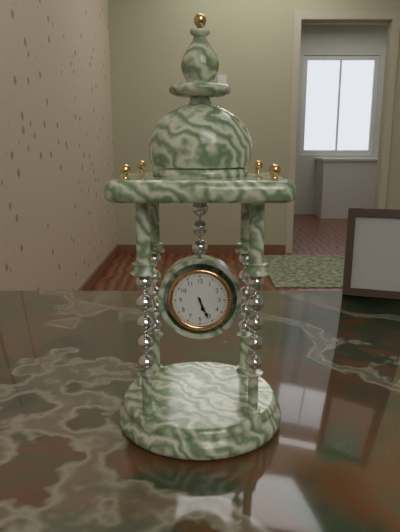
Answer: h=5 m=26
